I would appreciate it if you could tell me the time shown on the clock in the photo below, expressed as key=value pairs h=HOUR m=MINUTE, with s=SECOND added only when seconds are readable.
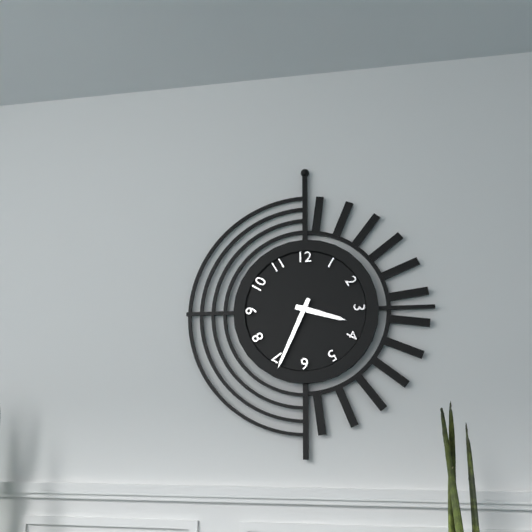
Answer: h=3 m=34
